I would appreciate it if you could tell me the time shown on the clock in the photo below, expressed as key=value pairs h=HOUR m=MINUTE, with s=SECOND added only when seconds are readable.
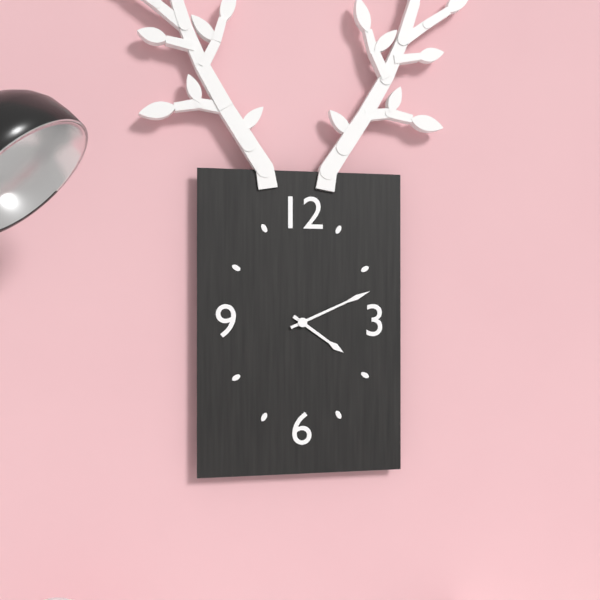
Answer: h=4 m=11
